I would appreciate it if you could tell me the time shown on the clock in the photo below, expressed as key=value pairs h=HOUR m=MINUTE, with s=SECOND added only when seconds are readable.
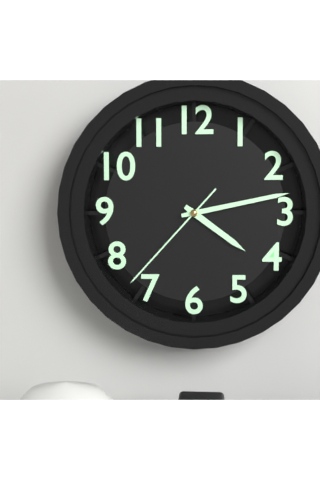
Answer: h=4 m=13 s=37
